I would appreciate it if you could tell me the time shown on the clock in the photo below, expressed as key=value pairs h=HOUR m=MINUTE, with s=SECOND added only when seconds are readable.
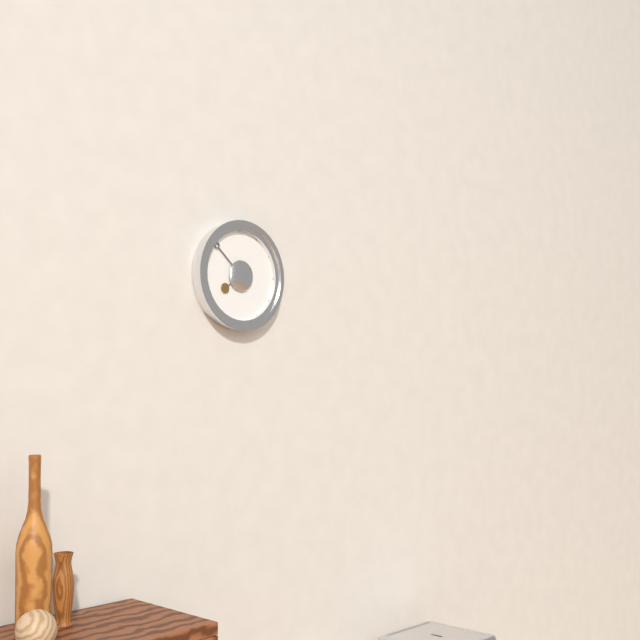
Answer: h=7 m=52
